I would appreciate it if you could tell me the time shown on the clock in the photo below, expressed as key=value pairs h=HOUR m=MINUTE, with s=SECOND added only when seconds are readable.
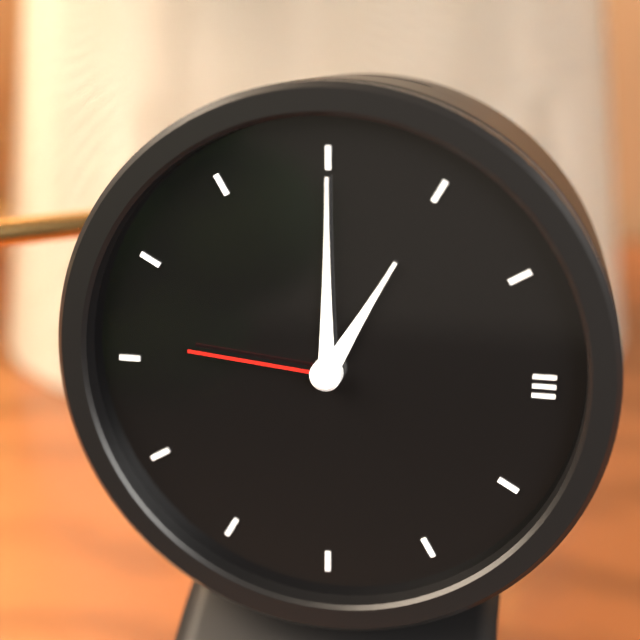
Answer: h=1 m=0 s=46
